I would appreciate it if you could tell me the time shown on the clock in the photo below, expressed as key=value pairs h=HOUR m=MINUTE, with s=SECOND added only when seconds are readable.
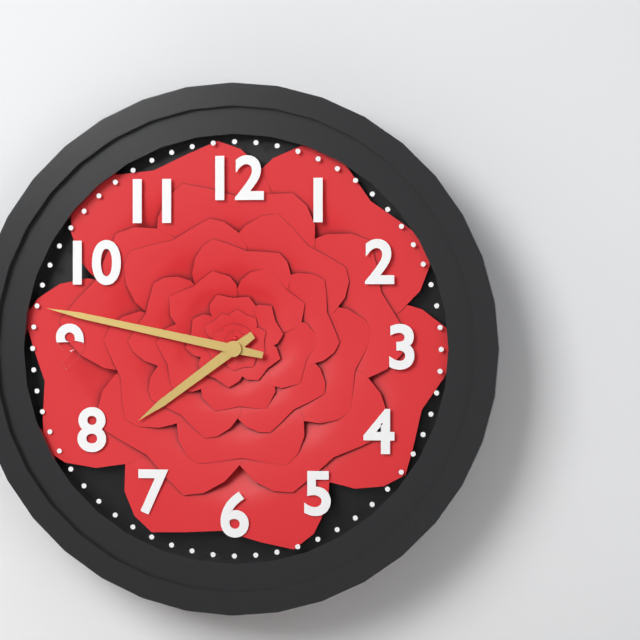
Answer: h=7 m=47
